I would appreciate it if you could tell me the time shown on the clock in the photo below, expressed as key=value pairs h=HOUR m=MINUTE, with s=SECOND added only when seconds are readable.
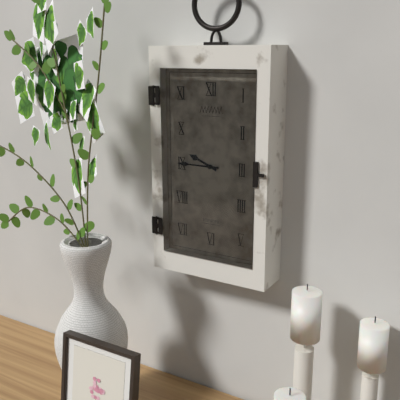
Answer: h=9 m=45
